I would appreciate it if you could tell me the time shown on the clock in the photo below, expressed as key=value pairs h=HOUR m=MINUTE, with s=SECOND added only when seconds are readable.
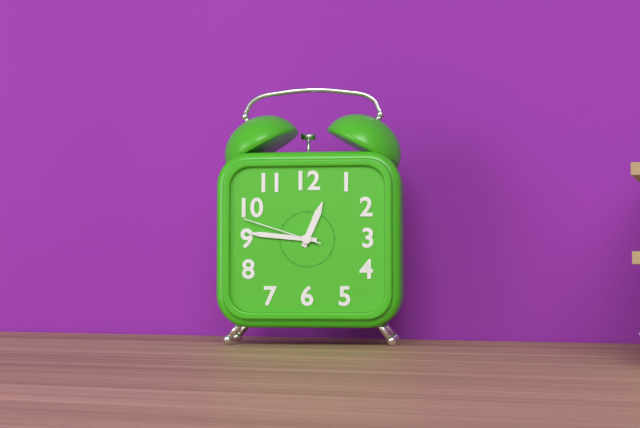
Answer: h=12 m=46 s=48
